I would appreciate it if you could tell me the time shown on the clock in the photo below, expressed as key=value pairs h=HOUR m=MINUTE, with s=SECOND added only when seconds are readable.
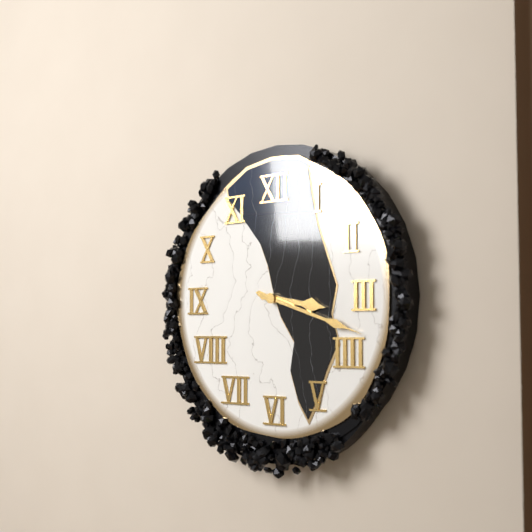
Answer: h=3 m=18
